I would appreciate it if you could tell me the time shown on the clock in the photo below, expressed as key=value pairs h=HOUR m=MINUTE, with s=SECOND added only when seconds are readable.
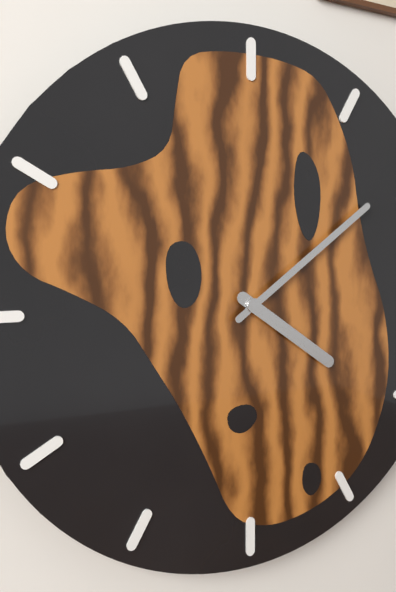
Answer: h=4 m=9
